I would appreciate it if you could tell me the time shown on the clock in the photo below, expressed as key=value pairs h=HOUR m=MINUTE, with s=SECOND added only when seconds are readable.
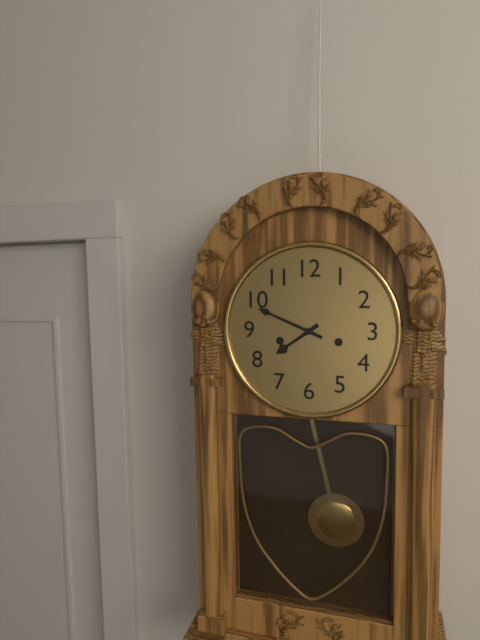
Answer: h=7 m=49
